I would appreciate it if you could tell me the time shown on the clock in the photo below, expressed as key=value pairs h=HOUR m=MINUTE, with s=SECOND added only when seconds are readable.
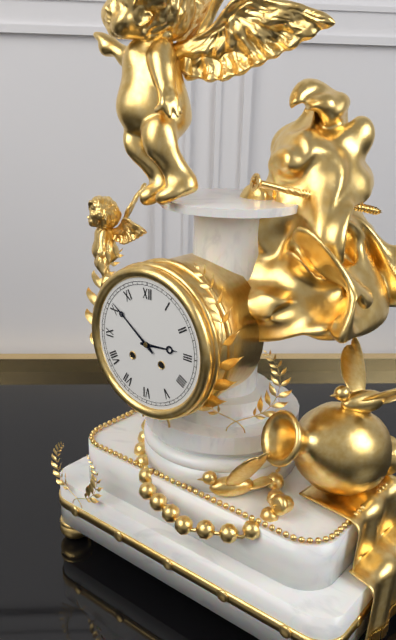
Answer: h=2 m=51
